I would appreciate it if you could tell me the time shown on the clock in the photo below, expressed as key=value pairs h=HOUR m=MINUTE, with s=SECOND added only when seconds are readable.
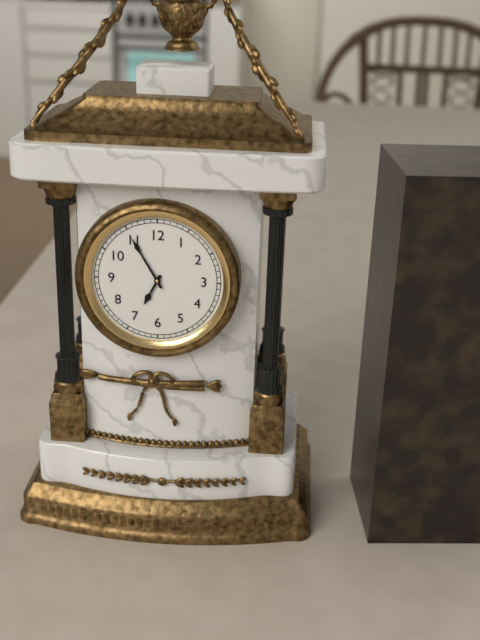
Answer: h=6 m=55
